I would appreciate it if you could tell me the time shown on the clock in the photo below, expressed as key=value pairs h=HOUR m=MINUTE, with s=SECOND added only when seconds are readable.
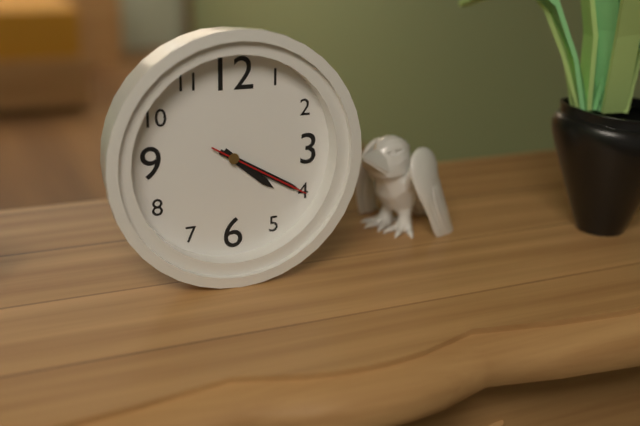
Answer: h=4 m=20 s=20
